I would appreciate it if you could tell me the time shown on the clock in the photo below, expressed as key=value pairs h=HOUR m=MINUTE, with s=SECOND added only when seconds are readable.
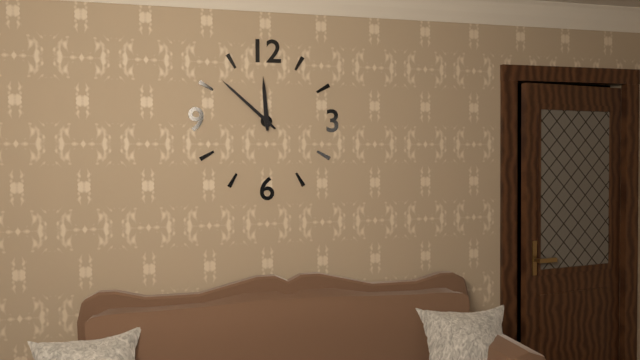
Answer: h=11 m=52
